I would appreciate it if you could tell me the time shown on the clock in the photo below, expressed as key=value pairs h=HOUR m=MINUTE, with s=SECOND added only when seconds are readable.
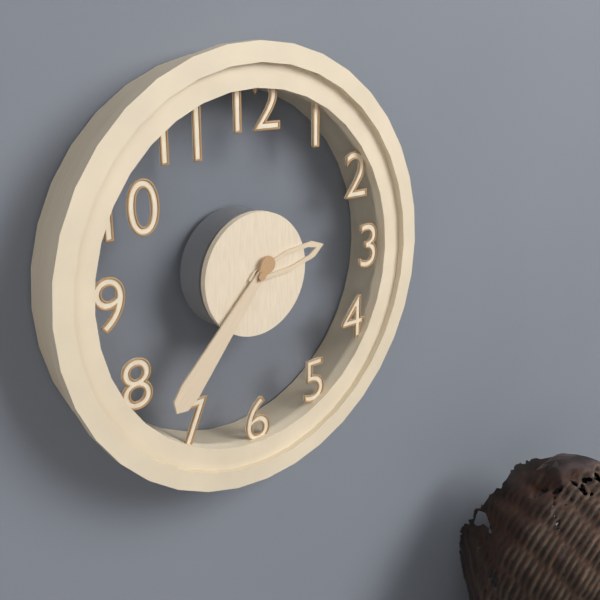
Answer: h=2 m=37
